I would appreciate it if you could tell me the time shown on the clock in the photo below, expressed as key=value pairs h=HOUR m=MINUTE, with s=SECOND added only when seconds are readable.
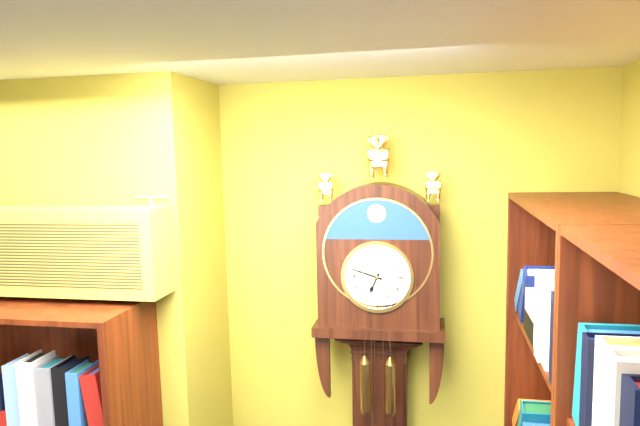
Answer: h=6 m=48
